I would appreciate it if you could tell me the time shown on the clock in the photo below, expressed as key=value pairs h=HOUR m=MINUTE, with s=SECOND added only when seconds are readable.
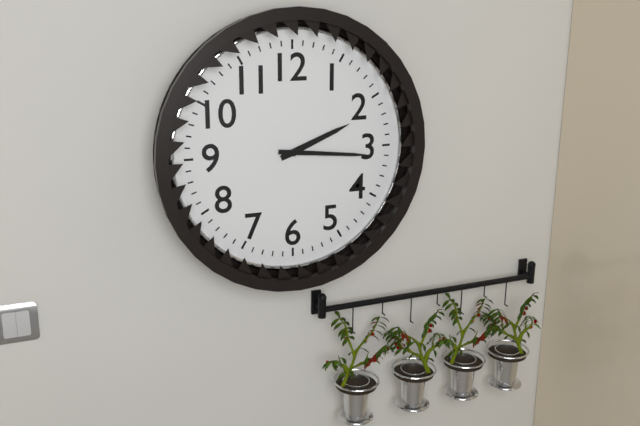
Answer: h=2 m=16
